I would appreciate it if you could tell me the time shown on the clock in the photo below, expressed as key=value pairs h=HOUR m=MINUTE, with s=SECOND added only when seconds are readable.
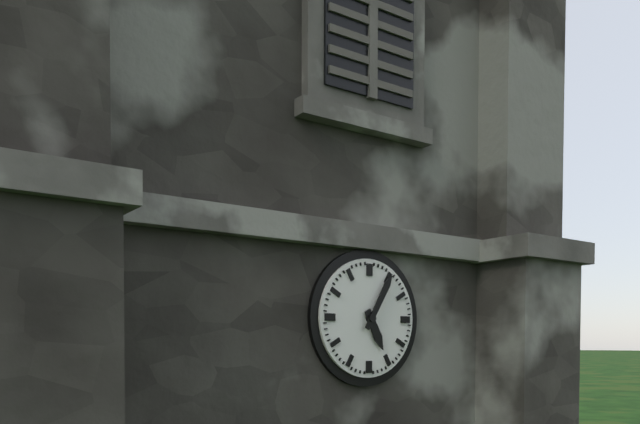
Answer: h=5 m=5
